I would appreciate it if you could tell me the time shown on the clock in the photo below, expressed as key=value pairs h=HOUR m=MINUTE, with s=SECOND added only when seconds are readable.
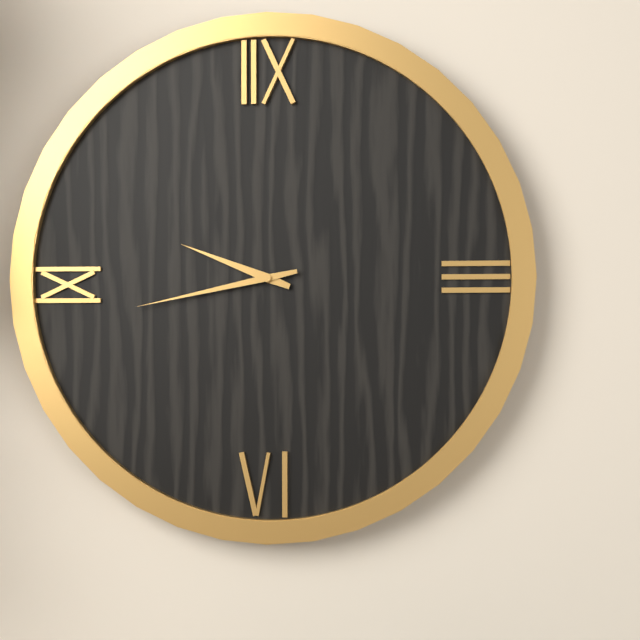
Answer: h=9 m=43
